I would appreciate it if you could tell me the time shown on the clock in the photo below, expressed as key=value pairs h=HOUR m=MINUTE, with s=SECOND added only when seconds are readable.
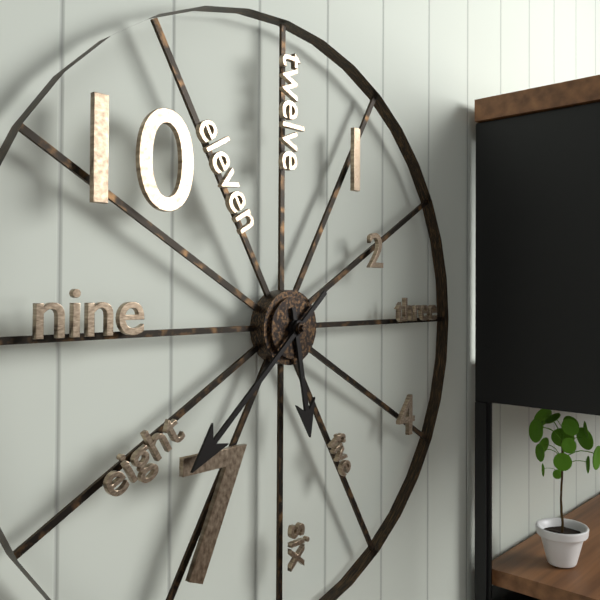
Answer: h=5 m=38
